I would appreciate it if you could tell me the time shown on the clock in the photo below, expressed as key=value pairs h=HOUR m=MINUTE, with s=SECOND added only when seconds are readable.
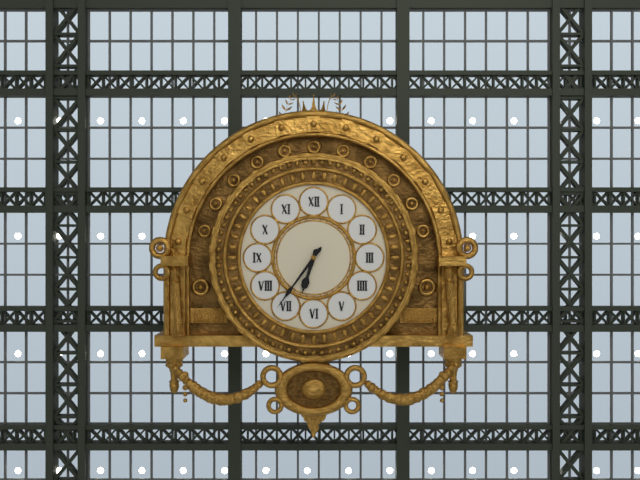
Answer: h=6 m=36
